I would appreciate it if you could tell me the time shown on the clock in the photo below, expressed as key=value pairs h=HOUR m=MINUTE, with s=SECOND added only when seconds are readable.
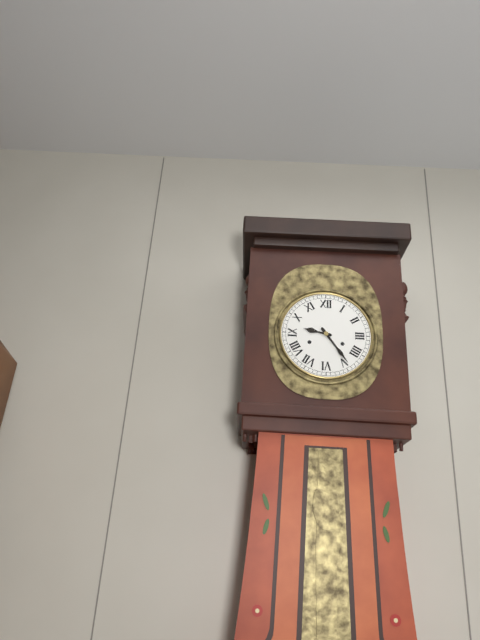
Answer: h=9 m=24
